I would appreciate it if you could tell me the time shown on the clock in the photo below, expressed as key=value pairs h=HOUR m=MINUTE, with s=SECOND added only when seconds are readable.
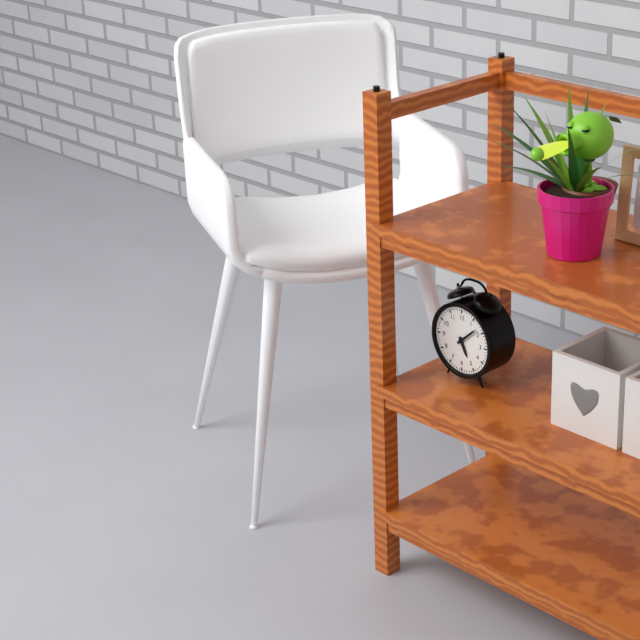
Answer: h=5 m=8
